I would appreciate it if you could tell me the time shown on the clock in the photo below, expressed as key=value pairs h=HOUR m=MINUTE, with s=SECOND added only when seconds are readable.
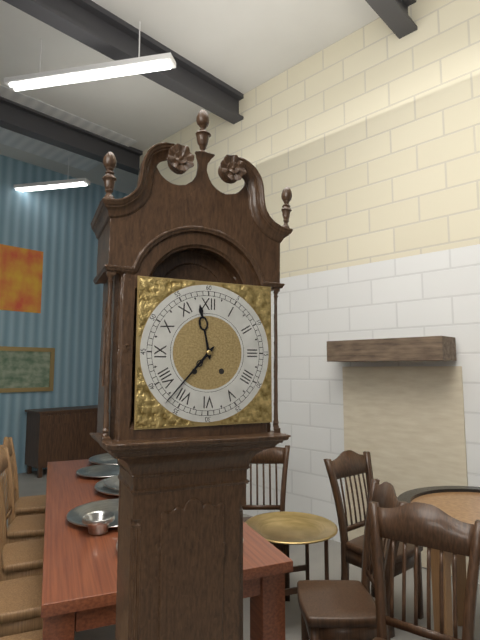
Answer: h=11 m=37
